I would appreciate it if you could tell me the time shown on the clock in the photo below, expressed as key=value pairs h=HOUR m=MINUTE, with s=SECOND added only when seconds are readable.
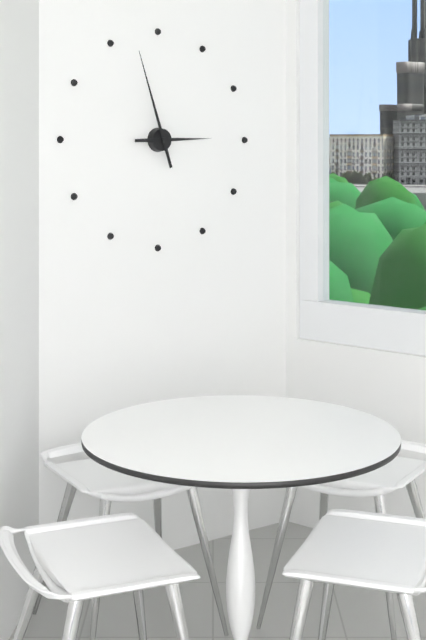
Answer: h=2 m=57
